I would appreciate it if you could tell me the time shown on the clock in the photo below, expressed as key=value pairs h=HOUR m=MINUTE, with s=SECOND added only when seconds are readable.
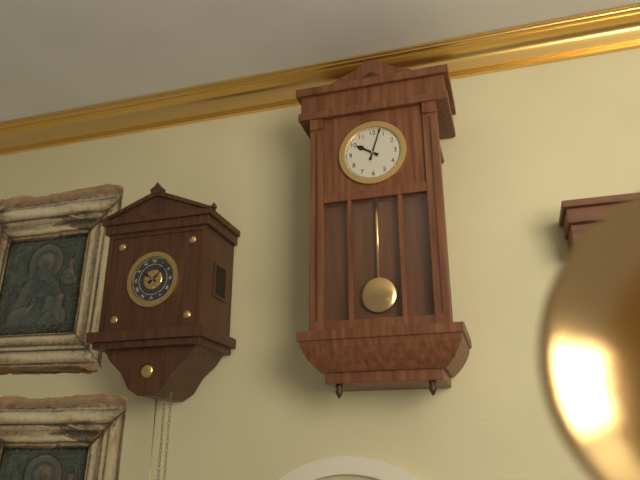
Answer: h=10 m=3
